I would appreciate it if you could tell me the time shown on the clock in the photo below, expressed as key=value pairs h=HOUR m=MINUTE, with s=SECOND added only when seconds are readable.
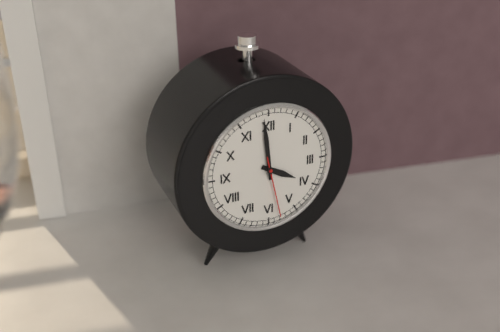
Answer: h=3 m=59 s=28
